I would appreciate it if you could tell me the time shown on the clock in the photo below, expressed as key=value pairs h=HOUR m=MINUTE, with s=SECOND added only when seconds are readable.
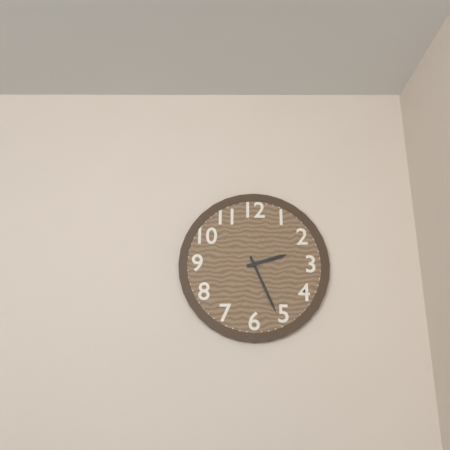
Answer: h=2 m=26
